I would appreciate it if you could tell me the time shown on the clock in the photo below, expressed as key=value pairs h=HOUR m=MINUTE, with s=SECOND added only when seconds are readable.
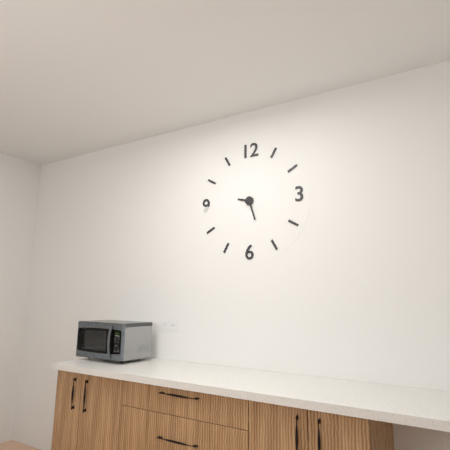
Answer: h=9 m=27
